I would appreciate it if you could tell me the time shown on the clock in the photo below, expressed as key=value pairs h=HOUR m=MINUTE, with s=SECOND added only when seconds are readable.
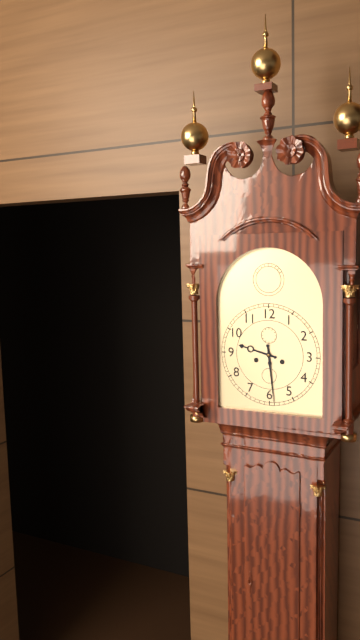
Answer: h=9 m=29
